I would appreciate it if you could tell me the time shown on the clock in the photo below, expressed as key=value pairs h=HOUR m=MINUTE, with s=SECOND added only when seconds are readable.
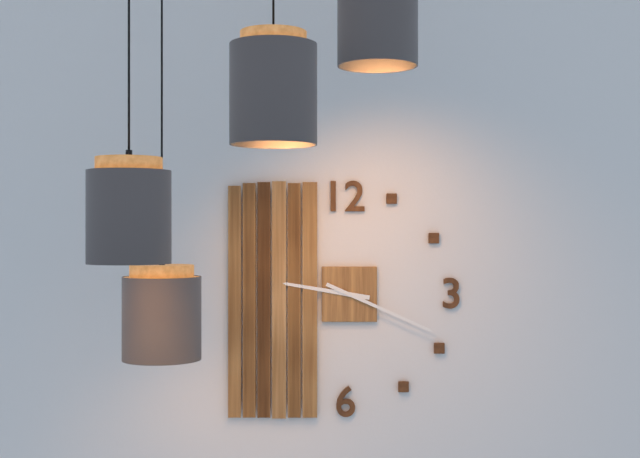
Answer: h=9 m=19
